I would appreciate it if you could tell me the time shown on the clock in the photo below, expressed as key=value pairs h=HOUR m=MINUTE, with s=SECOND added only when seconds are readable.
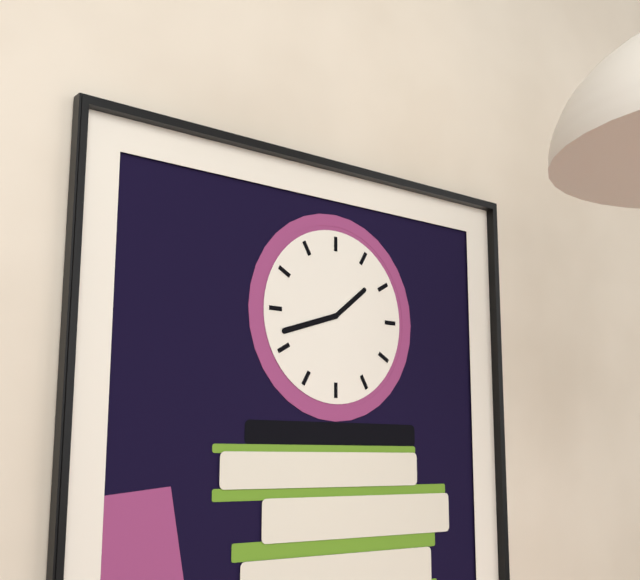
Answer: h=1 m=42
